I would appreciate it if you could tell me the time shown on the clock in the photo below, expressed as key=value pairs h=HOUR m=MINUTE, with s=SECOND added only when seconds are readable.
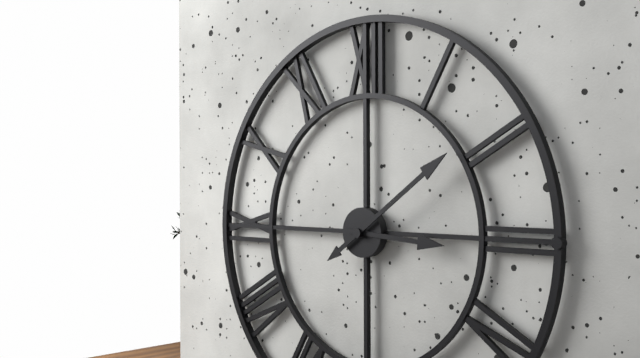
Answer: h=3 m=9
